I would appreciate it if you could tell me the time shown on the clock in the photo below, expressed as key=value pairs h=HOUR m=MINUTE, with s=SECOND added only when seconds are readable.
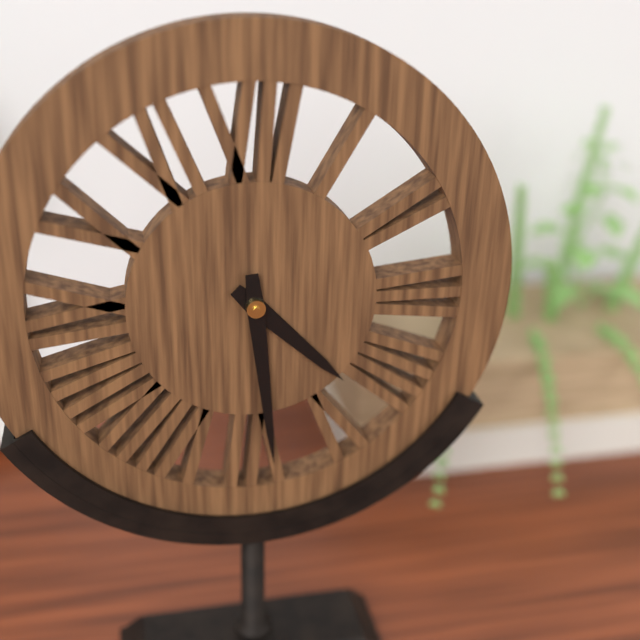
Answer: h=4 m=29
